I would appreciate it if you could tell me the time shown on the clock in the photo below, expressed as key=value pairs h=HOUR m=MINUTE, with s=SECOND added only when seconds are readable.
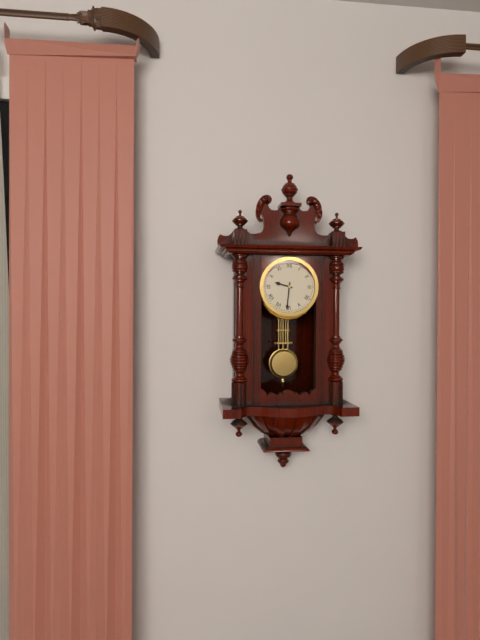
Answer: h=9 m=31
